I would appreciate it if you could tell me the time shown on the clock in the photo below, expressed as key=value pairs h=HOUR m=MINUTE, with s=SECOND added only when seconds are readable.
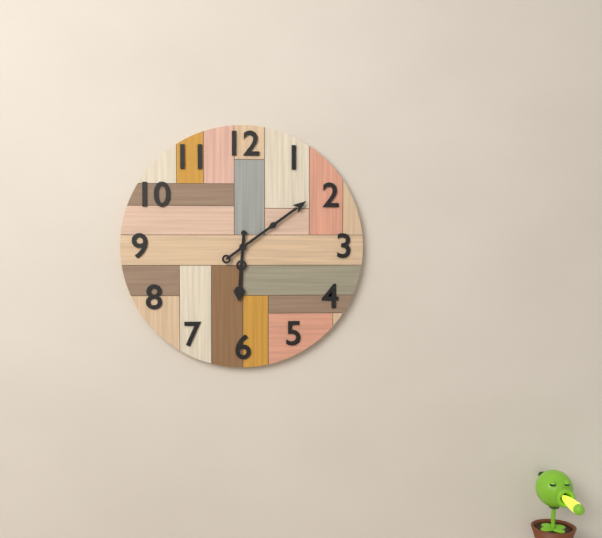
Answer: h=6 m=9
